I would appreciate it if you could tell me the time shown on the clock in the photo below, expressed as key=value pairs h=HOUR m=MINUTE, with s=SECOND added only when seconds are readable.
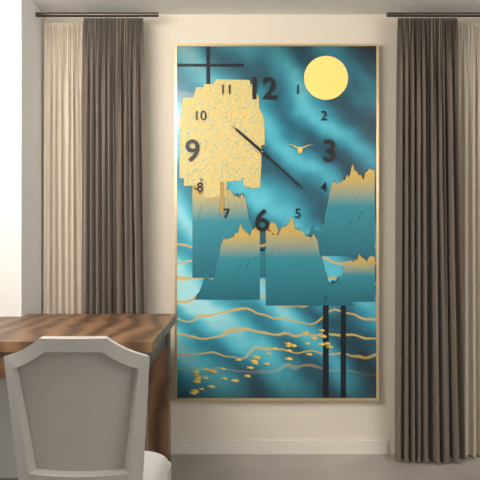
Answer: h=10 m=22
